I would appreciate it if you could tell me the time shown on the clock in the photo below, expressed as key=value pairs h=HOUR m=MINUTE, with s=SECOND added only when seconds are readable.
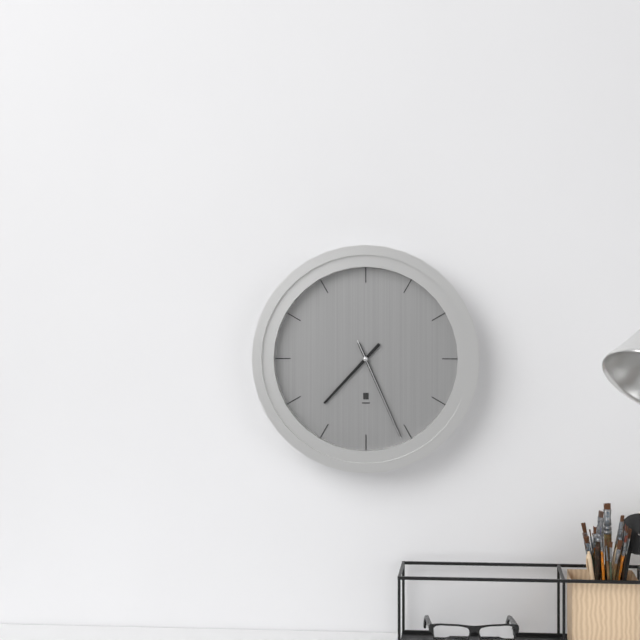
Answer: h=7 m=26 s=26
